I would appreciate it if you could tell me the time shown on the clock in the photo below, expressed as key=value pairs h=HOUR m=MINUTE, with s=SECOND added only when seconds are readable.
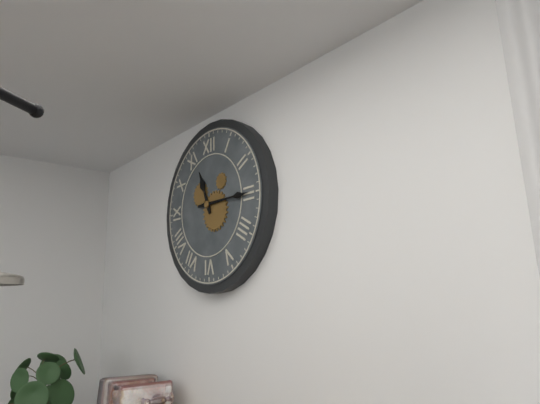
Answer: h=11 m=15
